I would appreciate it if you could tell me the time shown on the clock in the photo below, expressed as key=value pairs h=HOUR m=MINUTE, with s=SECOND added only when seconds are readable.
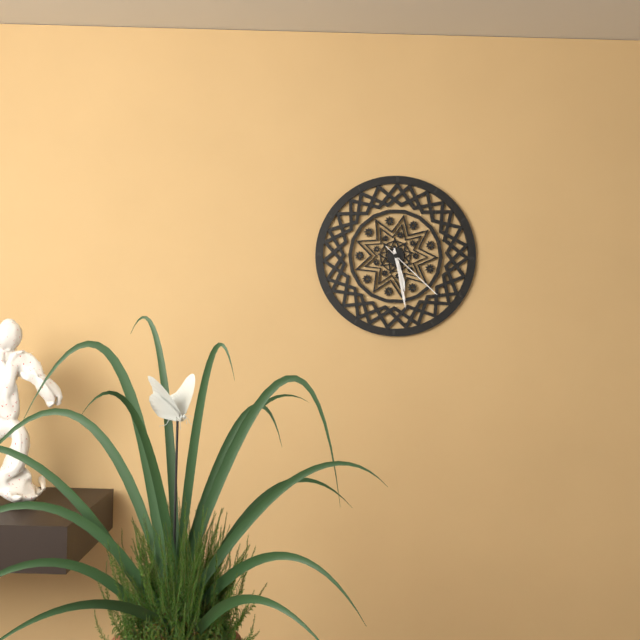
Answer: h=5 m=28 s=22
